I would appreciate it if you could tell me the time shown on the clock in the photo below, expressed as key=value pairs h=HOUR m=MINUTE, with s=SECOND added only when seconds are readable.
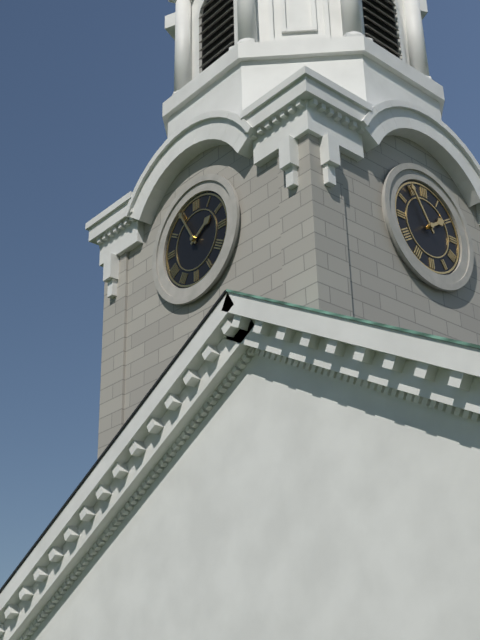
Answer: h=1 m=55
